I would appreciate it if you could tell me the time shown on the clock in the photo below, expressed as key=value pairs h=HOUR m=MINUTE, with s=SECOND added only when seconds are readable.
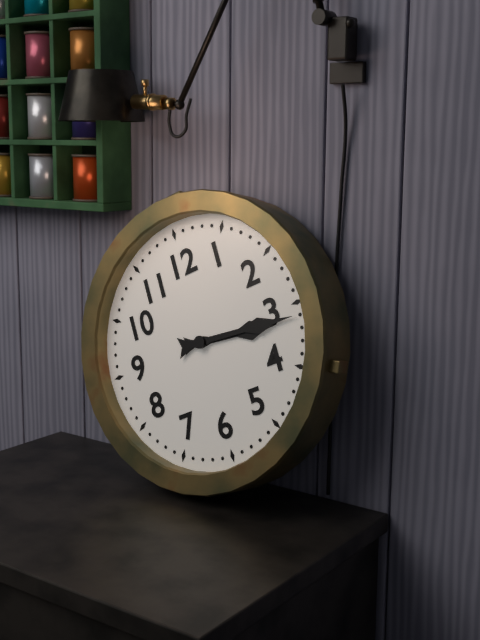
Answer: h=3 m=16
